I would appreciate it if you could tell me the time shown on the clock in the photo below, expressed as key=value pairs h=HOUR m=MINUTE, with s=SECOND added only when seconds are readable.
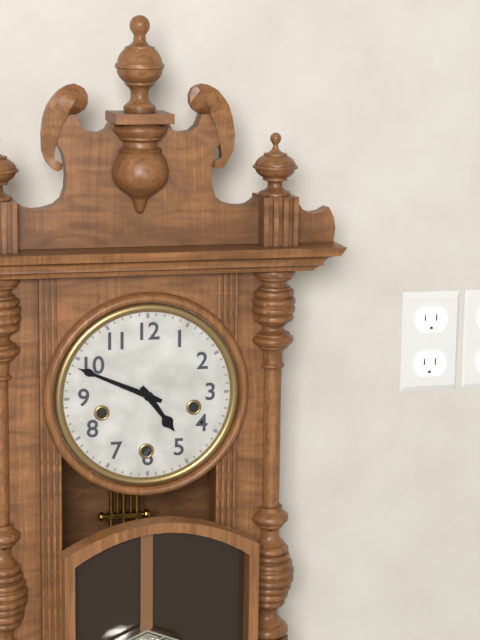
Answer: h=4 m=49
